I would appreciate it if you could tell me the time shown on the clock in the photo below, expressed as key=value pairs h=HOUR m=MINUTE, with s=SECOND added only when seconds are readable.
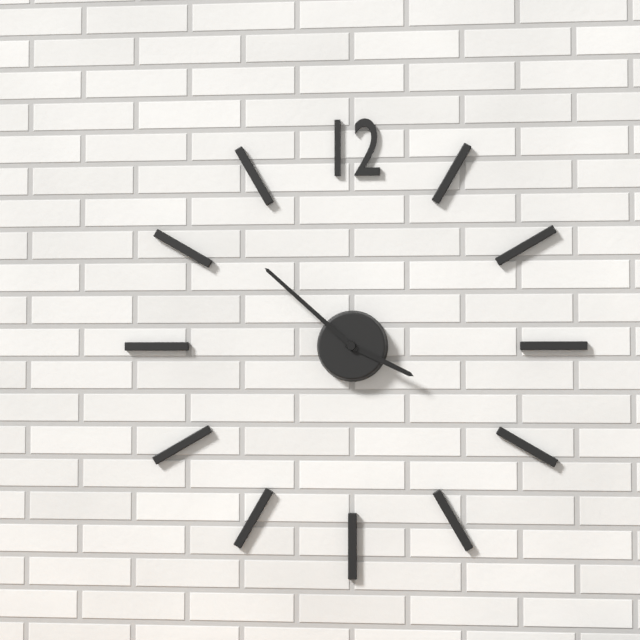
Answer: h=3 m=52
